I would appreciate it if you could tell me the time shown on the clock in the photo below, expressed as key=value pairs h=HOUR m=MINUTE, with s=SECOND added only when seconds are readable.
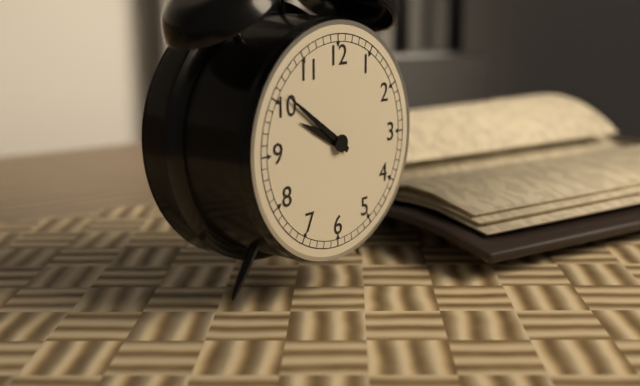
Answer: h=9 m=51
